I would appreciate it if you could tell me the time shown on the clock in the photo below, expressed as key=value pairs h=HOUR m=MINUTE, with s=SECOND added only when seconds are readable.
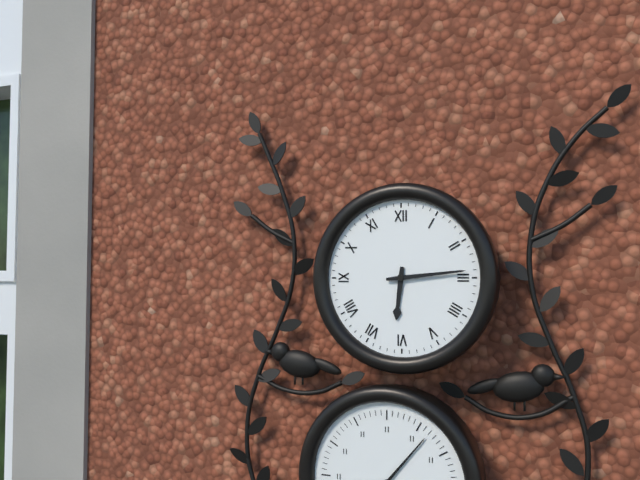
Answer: h=6 m=14
